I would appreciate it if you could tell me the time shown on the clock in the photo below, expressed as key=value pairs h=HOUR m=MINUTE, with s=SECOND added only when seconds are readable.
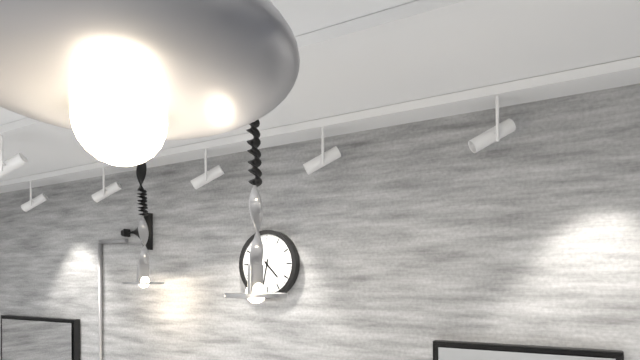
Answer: h=4 m=32
